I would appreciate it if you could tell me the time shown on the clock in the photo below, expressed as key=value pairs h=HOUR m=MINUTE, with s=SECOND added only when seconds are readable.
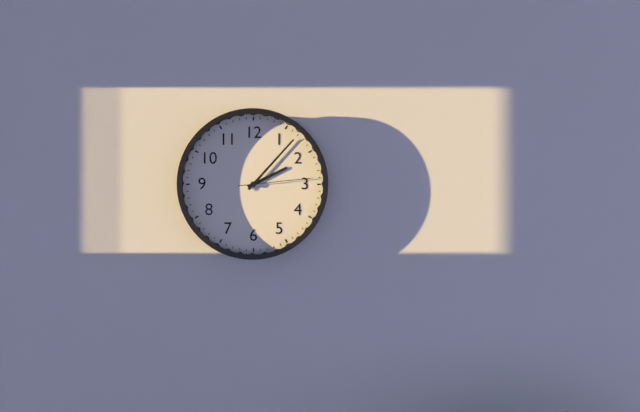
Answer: h=2 m=7 s=14
